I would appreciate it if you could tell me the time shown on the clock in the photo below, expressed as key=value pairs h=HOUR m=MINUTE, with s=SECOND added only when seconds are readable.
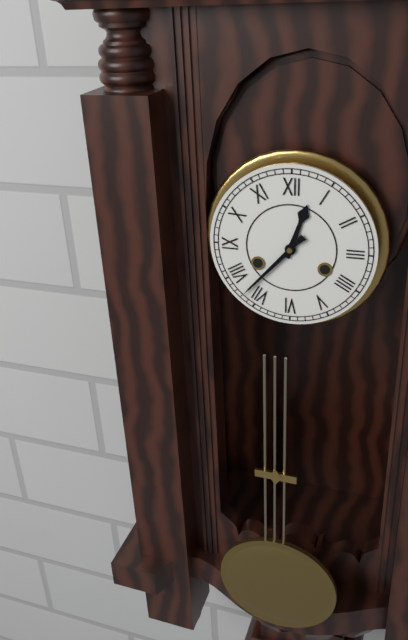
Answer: h=12 m=37
